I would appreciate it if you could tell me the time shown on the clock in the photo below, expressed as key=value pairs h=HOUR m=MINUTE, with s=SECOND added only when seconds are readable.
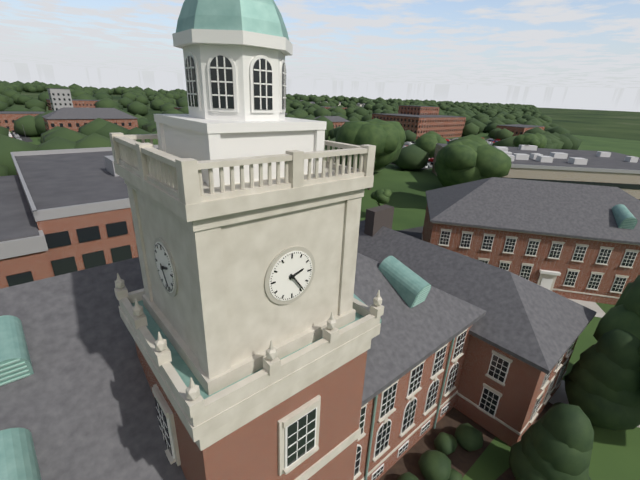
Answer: h=2 m=24
